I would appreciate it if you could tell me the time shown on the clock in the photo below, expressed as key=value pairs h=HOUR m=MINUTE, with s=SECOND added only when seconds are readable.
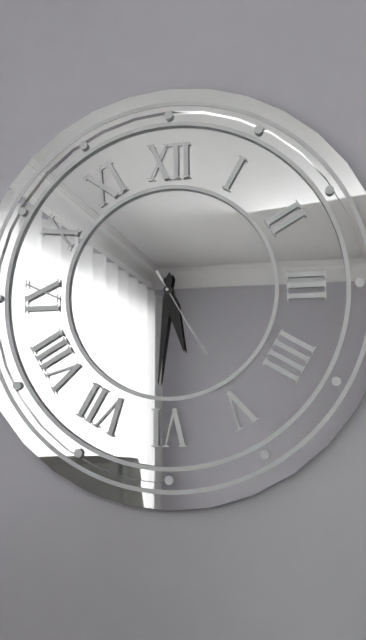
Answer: h=5 m=31 s=25
